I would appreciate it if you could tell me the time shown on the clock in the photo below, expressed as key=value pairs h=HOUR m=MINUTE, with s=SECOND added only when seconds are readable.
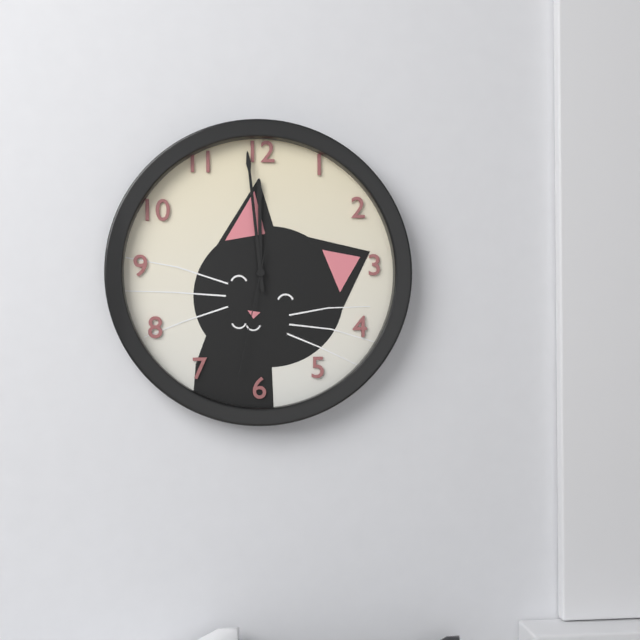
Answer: h=11 m=59 s=32
